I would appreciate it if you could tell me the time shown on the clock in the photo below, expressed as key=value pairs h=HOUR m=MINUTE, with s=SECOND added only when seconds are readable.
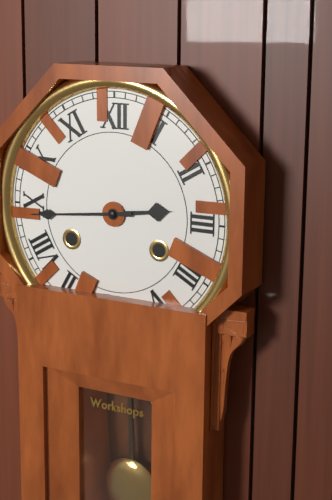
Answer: h=2 m=44
